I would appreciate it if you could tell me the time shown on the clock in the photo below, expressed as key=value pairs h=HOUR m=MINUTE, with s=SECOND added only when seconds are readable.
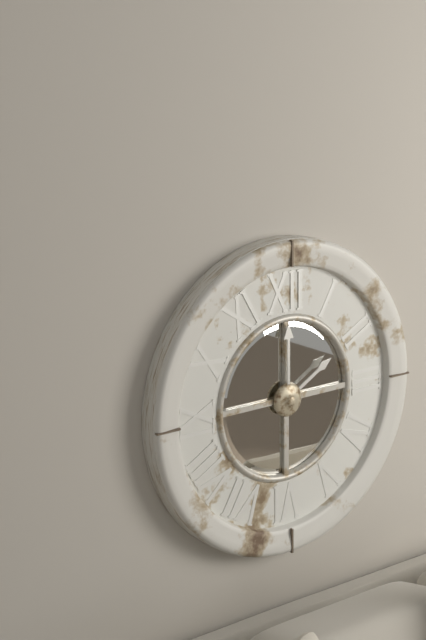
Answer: h=2 m=0
